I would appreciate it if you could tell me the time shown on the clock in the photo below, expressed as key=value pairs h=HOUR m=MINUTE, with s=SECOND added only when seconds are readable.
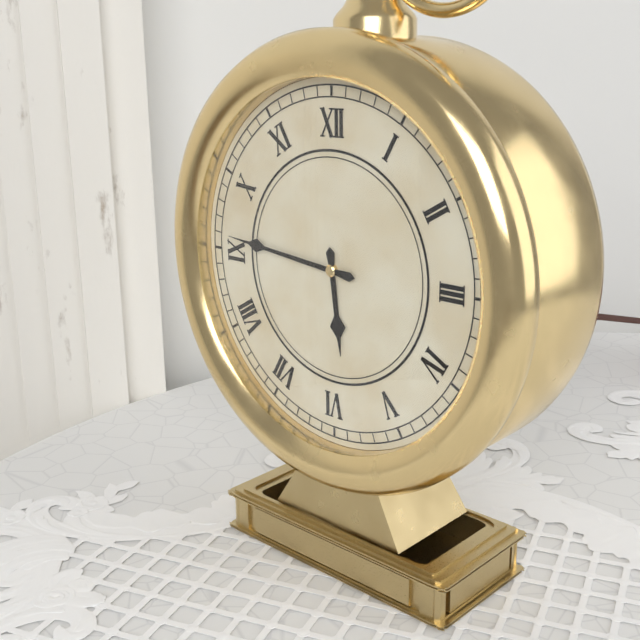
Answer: h=5 m=46
